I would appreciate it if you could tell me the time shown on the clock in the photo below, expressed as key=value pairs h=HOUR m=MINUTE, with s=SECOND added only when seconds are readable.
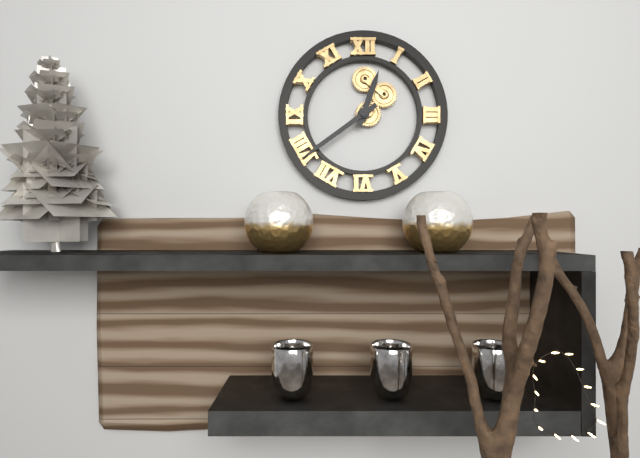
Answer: h=12 m=39
